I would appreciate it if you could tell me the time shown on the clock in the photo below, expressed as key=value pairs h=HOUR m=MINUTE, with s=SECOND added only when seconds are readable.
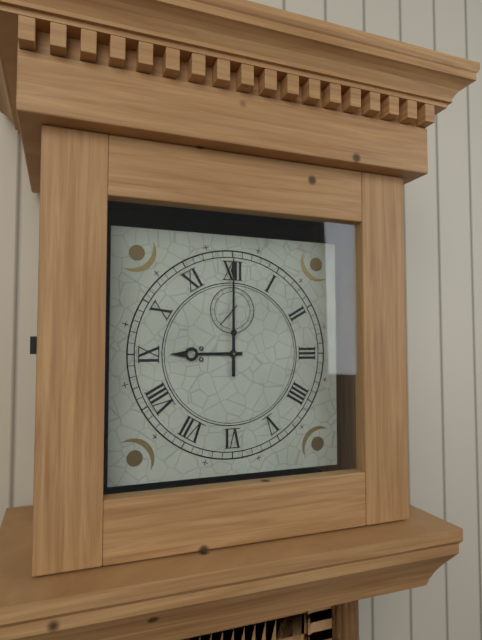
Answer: h=9 m=0
